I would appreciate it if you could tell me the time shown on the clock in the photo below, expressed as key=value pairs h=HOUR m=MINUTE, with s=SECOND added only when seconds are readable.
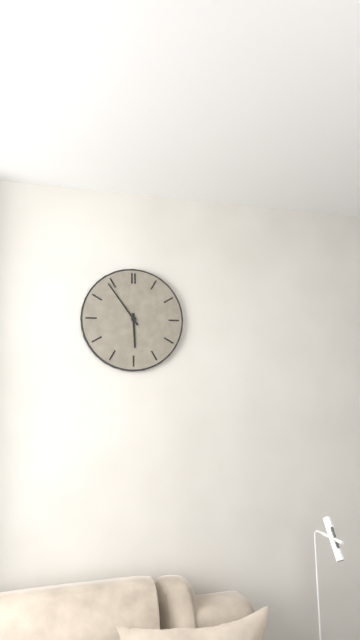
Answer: h=5 m=54
